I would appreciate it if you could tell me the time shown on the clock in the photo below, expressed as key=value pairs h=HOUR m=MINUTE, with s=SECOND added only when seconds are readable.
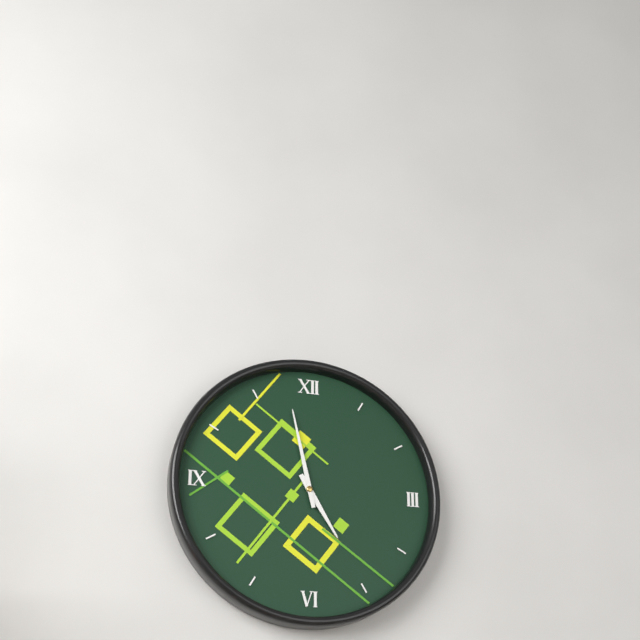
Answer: h=4 m=58
